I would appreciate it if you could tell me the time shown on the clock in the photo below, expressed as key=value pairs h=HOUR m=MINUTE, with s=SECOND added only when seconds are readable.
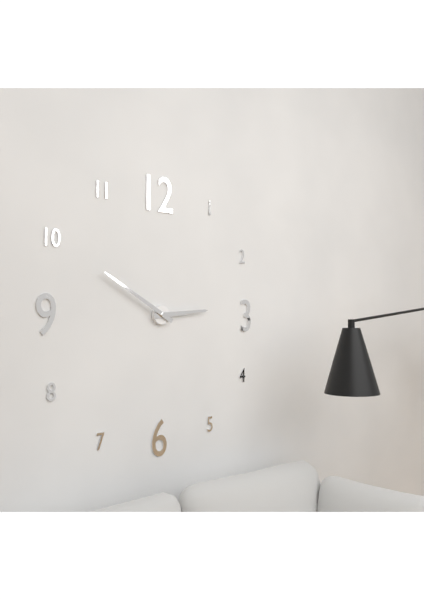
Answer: h=2 m=50
